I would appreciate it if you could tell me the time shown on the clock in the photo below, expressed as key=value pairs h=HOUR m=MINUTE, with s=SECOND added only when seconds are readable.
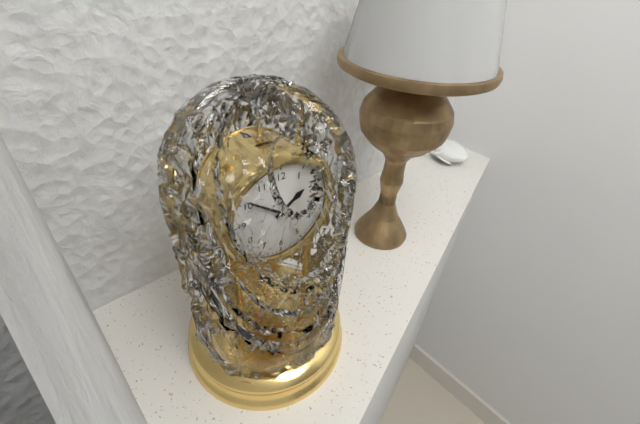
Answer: h=1 m=51
